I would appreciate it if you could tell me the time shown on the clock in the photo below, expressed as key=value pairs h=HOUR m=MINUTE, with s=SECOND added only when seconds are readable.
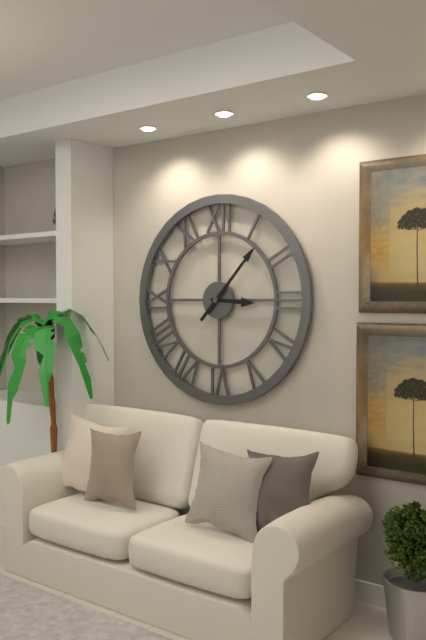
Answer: h=3 m=7
